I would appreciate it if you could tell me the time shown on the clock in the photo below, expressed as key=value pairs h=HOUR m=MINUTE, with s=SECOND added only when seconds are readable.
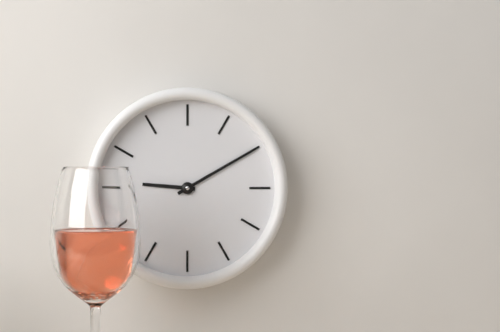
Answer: h=9 m=10
